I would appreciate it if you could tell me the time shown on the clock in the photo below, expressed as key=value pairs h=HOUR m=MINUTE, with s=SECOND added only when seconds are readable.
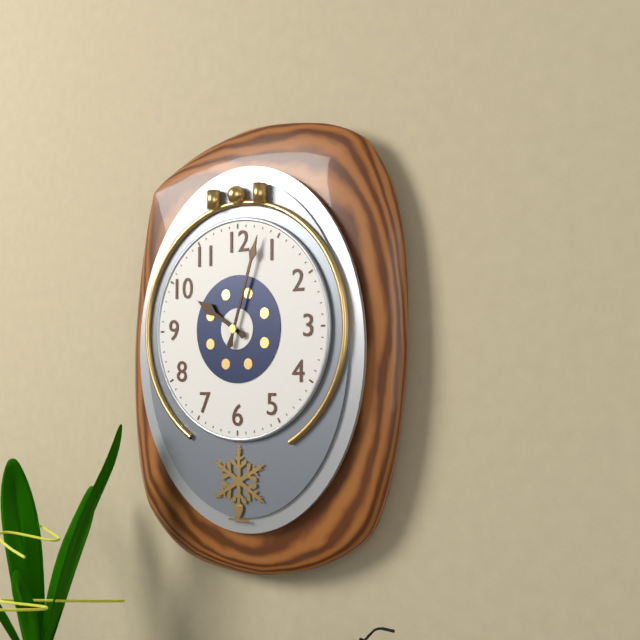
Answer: h=10 m=3
